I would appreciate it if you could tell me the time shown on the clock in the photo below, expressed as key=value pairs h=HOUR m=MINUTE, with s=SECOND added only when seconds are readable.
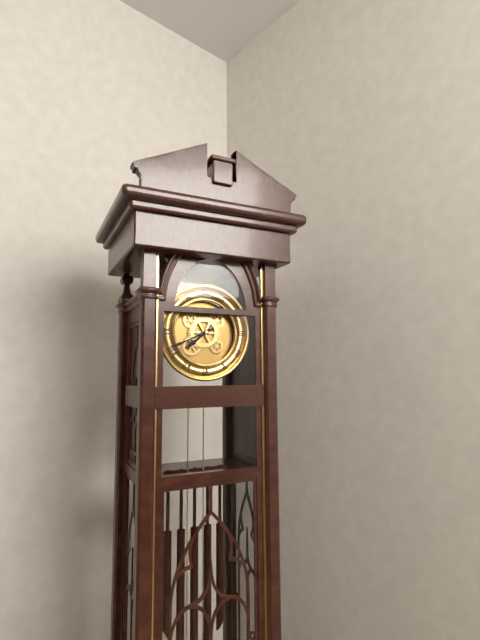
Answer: h=7 m=41
